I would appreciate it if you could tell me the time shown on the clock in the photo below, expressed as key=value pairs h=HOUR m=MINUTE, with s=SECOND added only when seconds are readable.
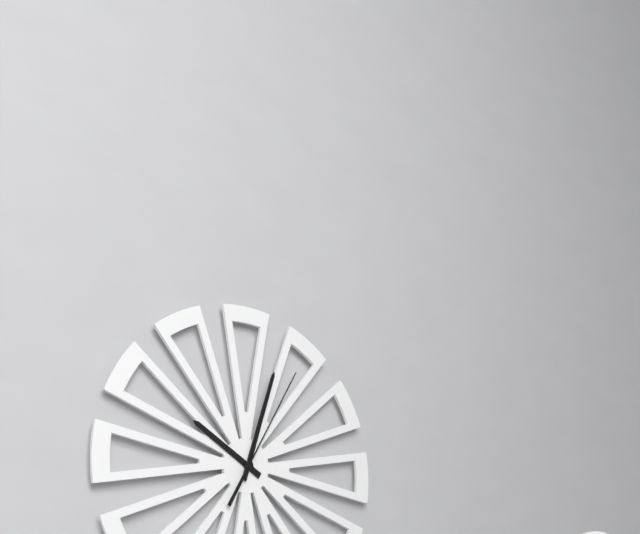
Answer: h=10 m=3 s=5
